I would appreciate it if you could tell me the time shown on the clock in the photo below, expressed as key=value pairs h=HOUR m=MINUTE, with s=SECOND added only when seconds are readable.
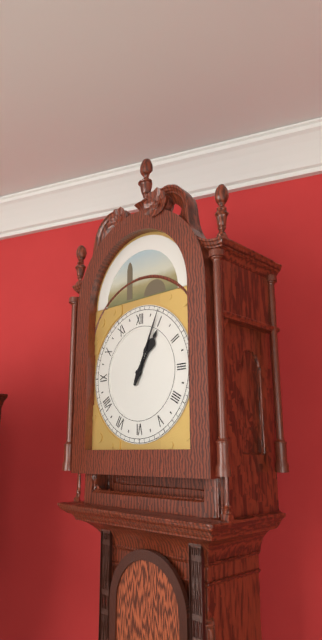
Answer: h=1 m=4
